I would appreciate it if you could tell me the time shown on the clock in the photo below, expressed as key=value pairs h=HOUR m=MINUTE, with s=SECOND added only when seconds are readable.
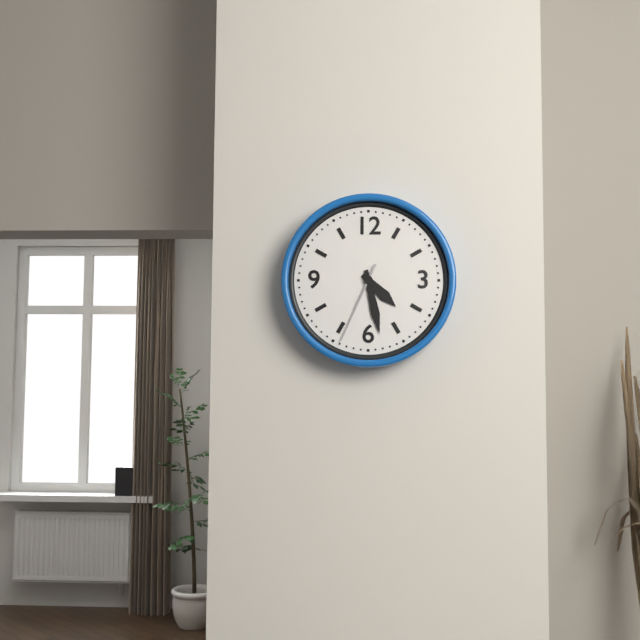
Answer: h=4 m=28 s=34
